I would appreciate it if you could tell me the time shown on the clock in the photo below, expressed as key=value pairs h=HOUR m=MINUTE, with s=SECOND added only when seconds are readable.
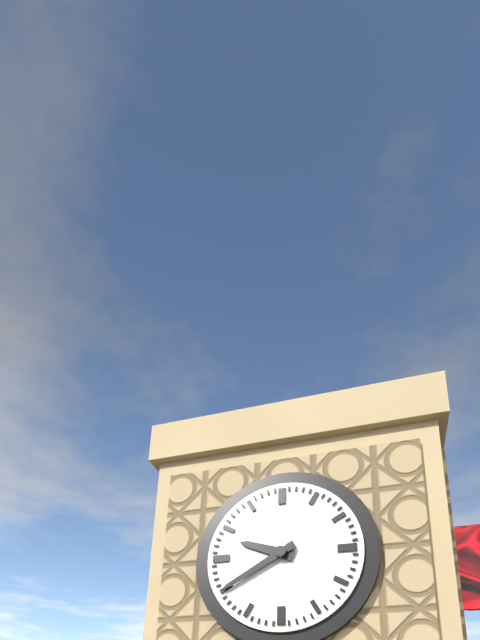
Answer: h=9 m=40
